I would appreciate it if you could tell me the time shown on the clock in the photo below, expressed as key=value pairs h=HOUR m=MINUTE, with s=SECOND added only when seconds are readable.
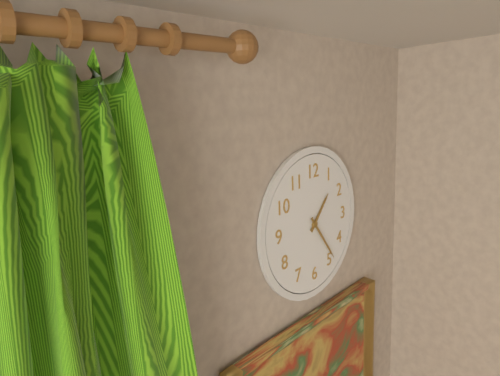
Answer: h=1 m=24
